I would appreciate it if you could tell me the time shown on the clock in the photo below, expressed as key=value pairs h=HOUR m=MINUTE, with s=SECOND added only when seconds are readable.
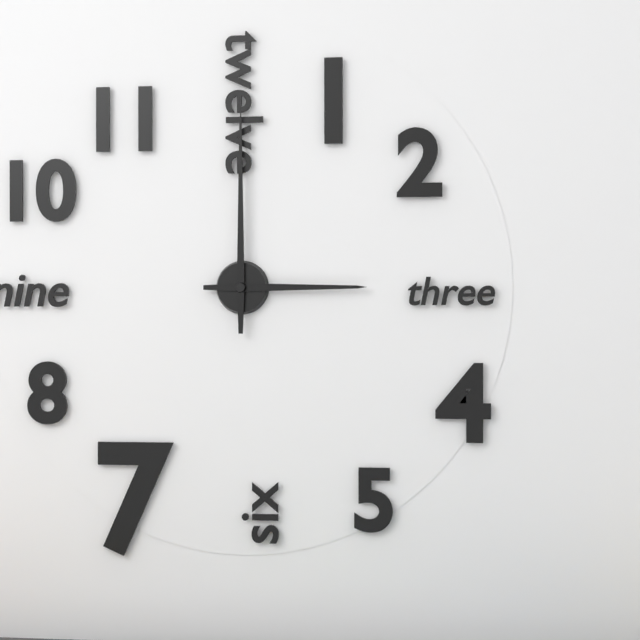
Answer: h=3 m=0
